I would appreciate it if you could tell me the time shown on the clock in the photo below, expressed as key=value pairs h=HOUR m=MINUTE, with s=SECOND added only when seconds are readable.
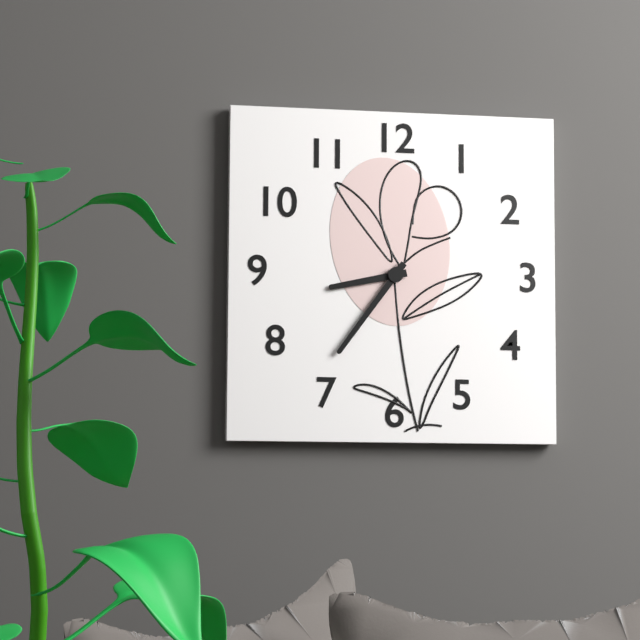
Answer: h=8 m=36
